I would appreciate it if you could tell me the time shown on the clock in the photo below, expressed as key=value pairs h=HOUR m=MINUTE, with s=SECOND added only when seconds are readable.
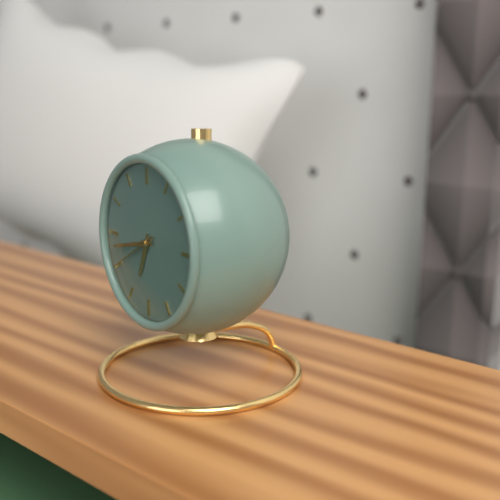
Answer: h=6 m=43 s=40
